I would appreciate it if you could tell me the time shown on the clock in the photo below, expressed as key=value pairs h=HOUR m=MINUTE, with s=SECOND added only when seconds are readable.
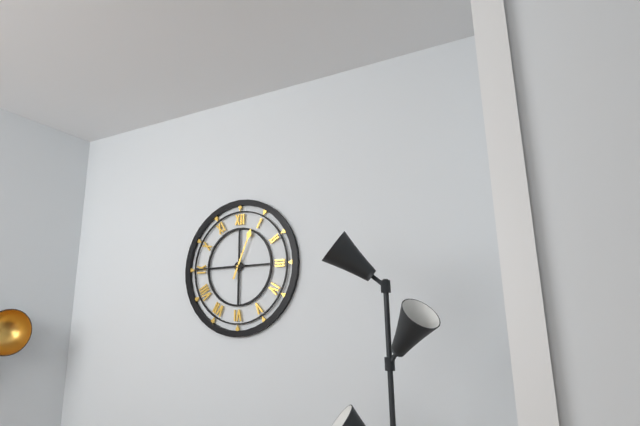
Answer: h=12 m=45
